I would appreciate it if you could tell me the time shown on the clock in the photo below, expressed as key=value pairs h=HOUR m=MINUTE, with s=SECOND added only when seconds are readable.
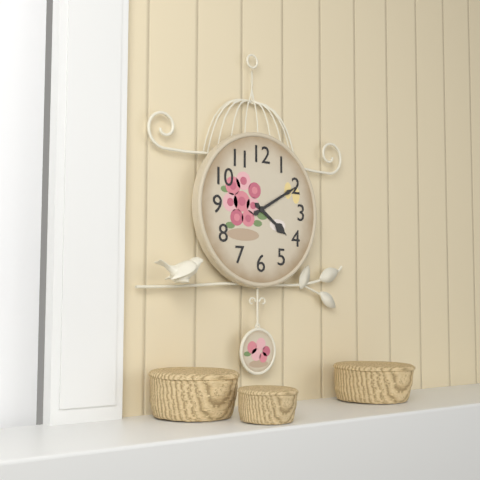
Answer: h=4 m=10
